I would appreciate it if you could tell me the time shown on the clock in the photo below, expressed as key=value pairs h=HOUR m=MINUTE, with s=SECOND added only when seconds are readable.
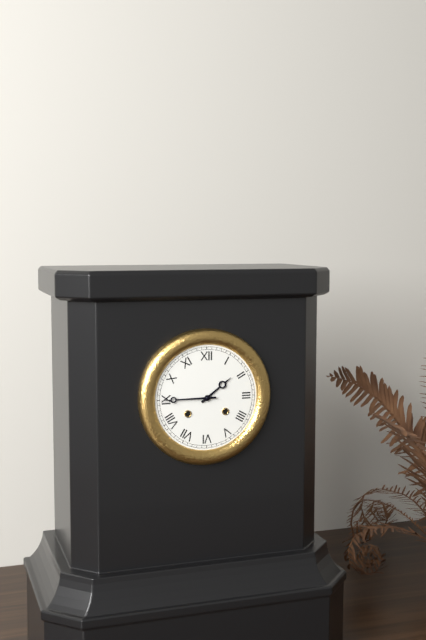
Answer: h=1 m=45
